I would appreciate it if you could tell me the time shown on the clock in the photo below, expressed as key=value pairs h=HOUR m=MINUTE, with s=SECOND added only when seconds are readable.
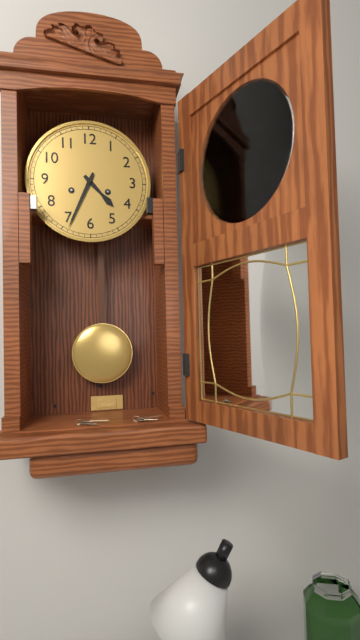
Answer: h=4 m=34
